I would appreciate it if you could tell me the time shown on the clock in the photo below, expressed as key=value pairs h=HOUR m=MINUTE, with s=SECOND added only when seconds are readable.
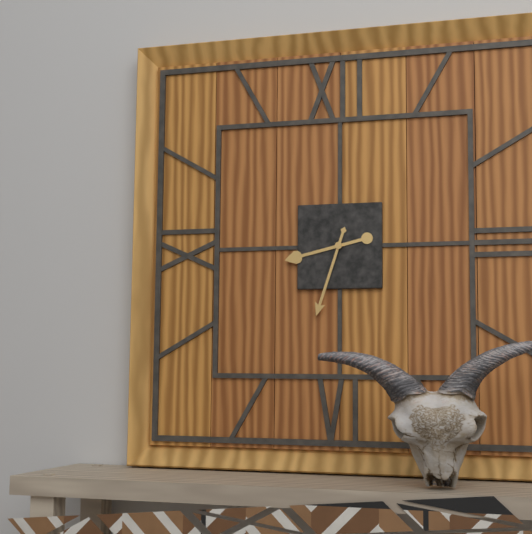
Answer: h=8 m=33
